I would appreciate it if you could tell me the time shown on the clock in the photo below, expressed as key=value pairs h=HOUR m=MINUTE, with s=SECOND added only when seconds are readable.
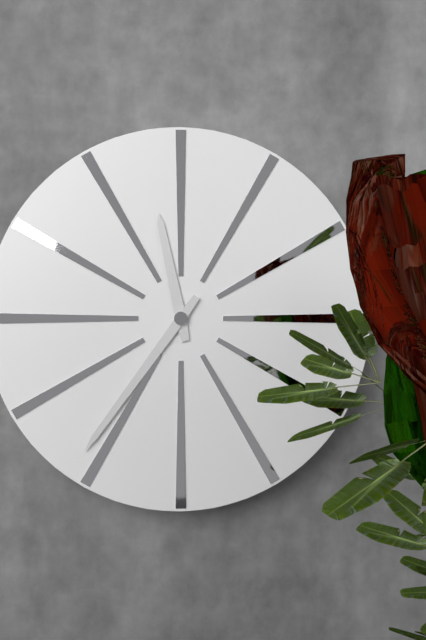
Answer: h=11 m=36
